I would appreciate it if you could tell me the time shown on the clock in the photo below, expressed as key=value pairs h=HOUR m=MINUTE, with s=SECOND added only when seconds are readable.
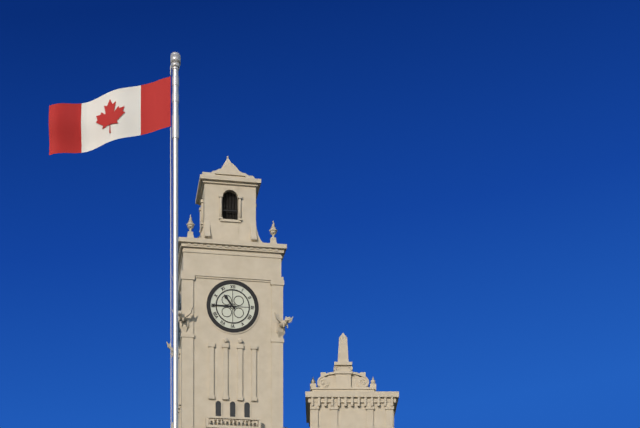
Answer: h=10 m=45
